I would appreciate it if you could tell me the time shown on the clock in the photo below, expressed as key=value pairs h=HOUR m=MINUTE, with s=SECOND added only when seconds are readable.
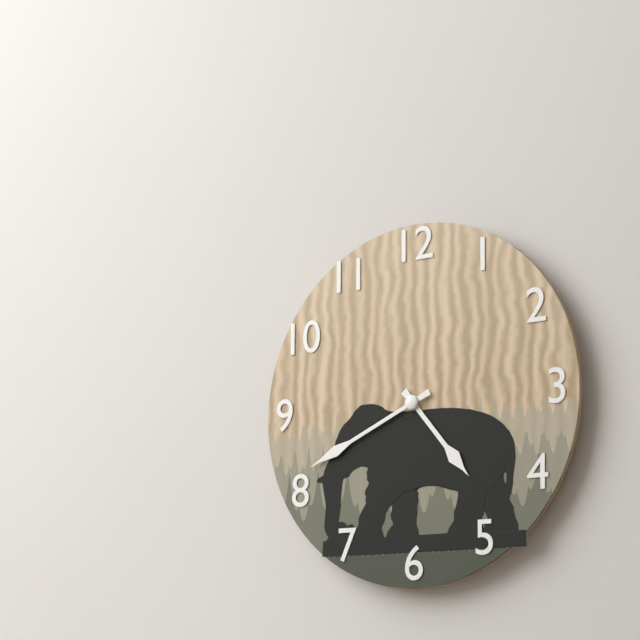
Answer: h=4 m=41
